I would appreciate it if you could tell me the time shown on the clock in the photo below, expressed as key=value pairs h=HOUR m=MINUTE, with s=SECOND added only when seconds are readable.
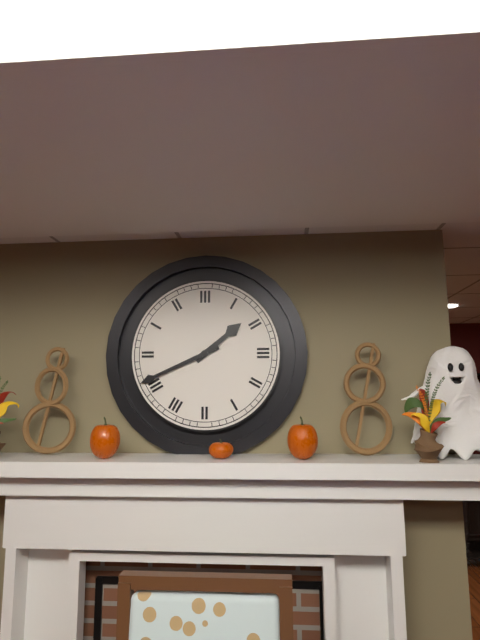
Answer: h=1 m=41
